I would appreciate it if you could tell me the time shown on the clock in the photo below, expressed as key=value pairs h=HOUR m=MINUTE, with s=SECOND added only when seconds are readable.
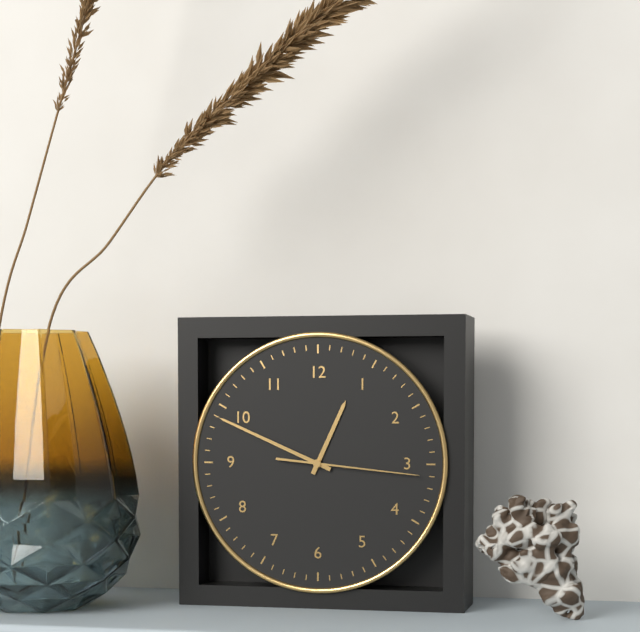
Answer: h=12 m=49 s=16
